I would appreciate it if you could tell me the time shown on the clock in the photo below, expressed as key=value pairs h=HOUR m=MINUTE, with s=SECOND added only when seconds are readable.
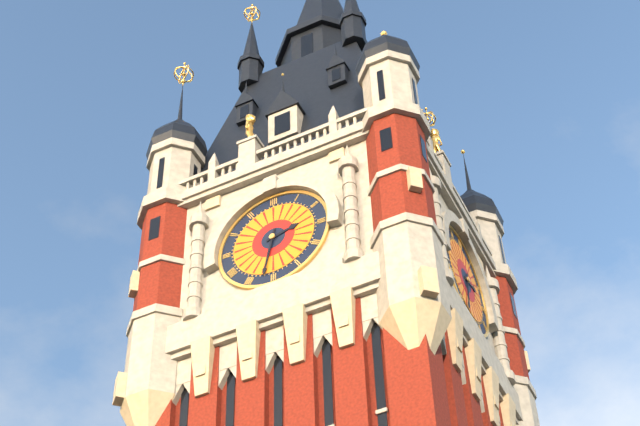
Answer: h=2 m=32
